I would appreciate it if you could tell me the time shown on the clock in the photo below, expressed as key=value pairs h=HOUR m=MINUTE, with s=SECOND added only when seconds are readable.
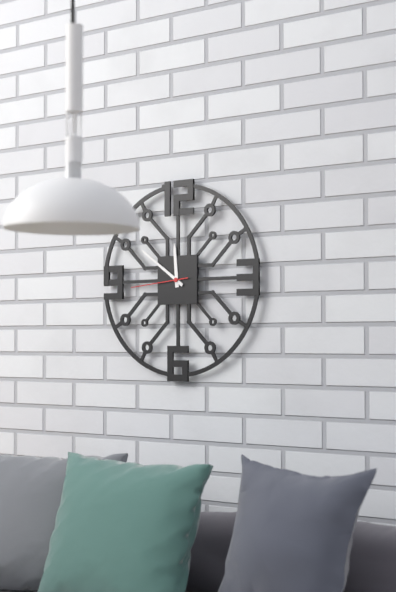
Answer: h=11 m=51 s=44
